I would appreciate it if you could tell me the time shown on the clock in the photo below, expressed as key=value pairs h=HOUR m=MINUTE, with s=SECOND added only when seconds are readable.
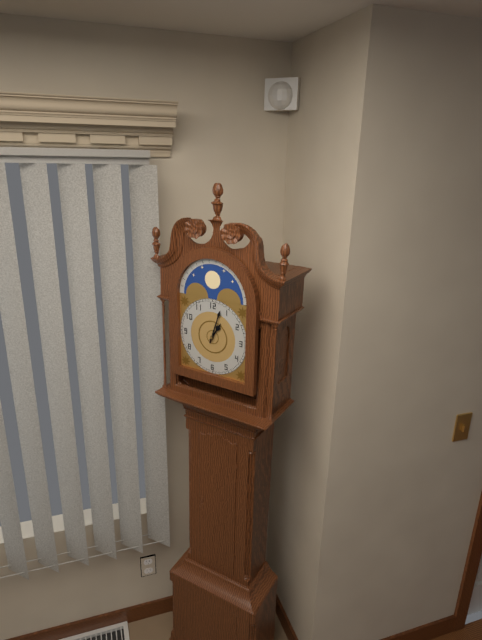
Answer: h=1 m=3
